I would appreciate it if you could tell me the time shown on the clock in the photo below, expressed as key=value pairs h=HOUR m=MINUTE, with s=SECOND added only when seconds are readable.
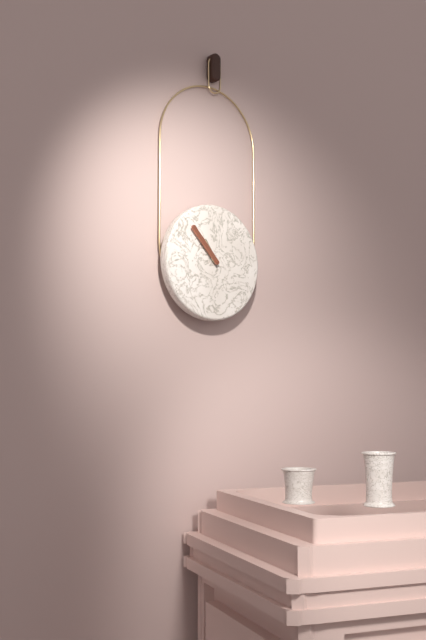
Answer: h=10 m=53
